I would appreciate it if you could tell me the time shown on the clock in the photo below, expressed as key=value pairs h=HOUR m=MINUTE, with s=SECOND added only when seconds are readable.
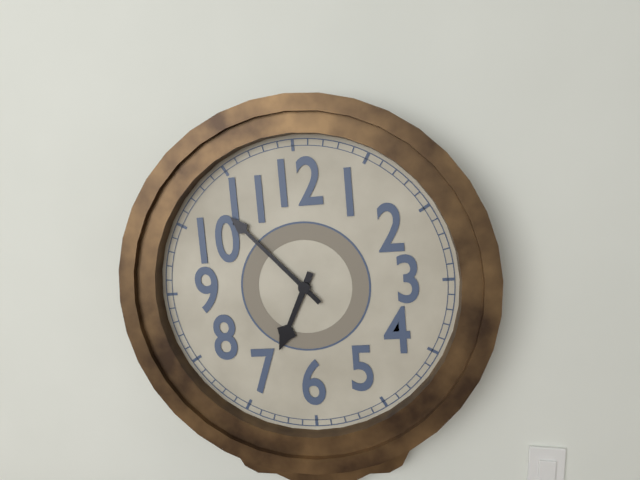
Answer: h=6 m=53
